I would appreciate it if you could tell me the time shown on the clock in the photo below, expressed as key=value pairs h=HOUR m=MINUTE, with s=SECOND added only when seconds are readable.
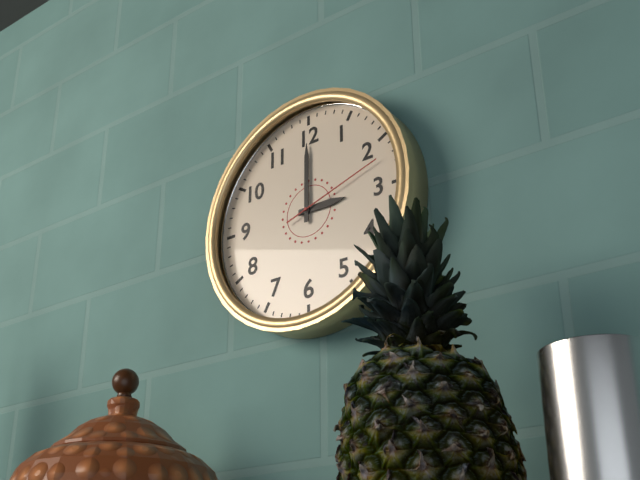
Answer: h=3 m=0 s=12
